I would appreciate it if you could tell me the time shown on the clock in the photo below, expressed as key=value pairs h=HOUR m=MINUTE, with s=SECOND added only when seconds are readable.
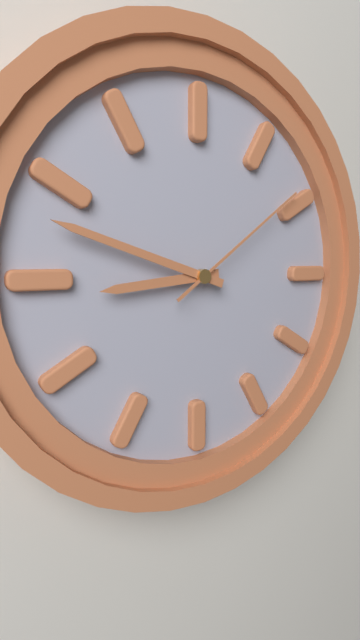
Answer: h=8 m=48 s=9
